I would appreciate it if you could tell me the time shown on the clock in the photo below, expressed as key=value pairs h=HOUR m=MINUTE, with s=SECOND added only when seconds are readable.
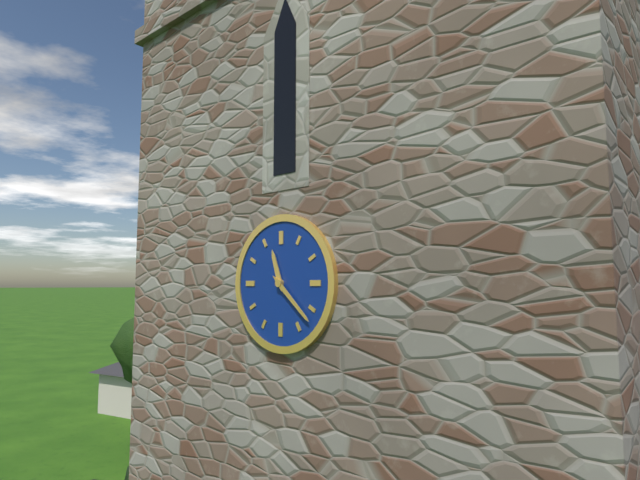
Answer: h=11 m=22
